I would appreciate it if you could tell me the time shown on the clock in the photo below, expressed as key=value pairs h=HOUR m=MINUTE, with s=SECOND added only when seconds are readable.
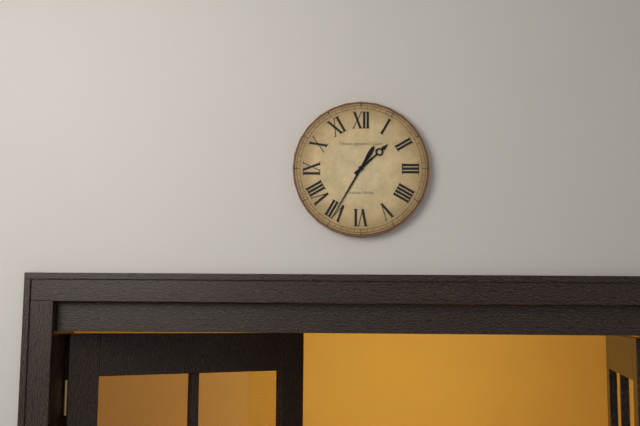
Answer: h=1 m=35
